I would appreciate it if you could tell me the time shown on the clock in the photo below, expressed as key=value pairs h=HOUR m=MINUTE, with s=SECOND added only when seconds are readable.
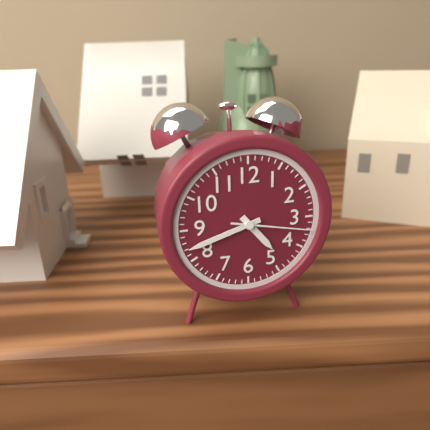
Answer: h=4 m=42 s=17
